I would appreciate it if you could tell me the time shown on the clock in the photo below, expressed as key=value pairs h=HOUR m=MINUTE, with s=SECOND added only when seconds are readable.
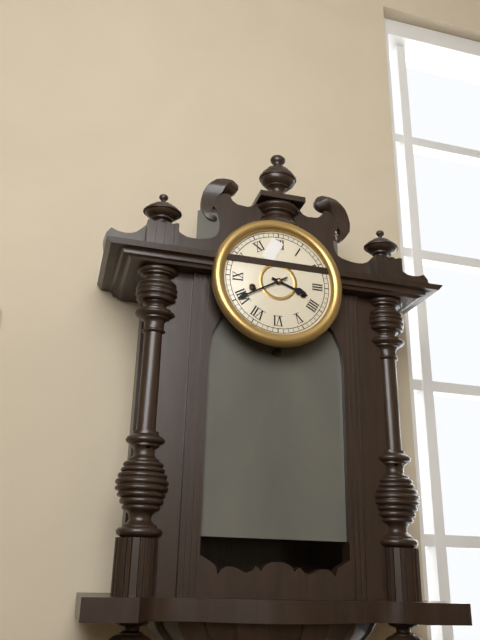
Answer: h=3 m=40
